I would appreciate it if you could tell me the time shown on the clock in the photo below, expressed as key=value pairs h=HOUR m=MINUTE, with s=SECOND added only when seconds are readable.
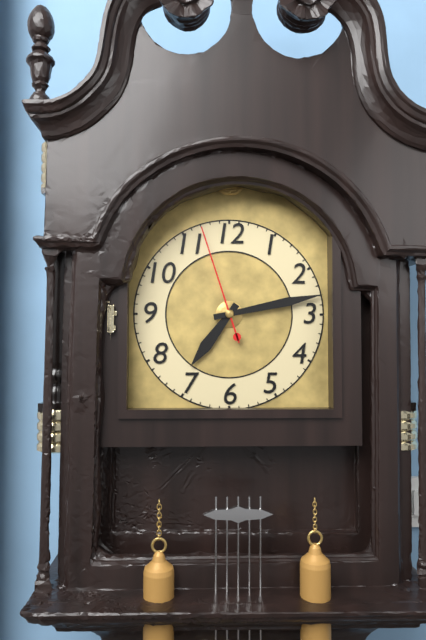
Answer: h=7 m=13 s=57
